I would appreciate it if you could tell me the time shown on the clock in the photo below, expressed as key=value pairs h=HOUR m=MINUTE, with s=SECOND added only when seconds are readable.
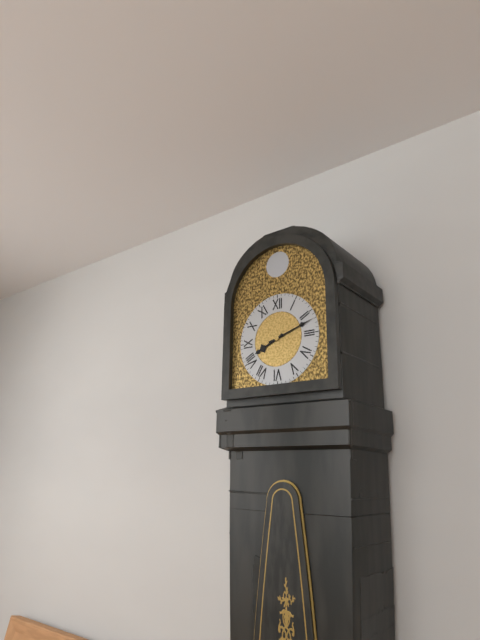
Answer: h=8 m=12
